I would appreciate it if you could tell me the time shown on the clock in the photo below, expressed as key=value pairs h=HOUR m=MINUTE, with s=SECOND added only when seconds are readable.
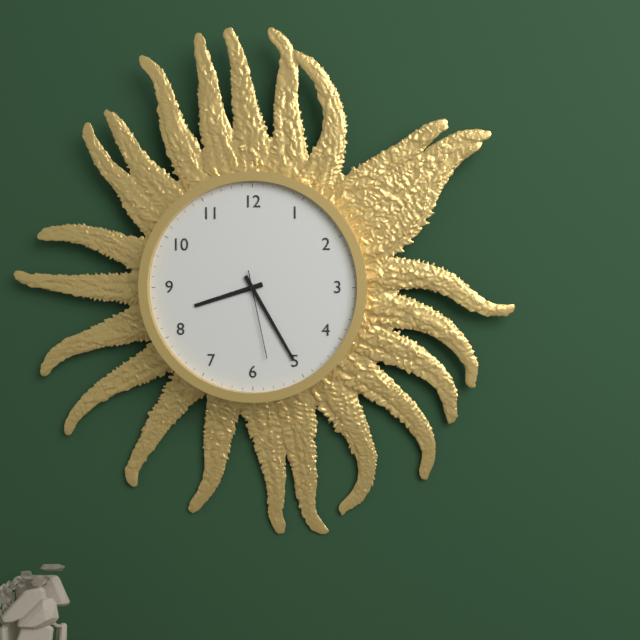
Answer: h=8 m=25 s=28
